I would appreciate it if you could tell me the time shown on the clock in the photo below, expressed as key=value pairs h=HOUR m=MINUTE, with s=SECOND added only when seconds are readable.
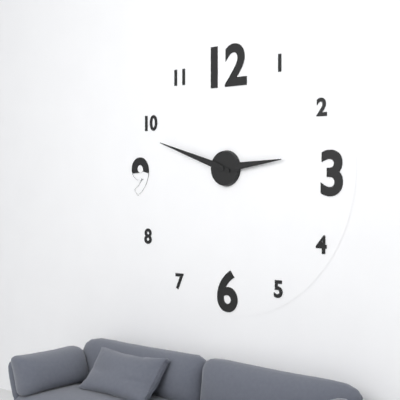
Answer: h=2 m=48
